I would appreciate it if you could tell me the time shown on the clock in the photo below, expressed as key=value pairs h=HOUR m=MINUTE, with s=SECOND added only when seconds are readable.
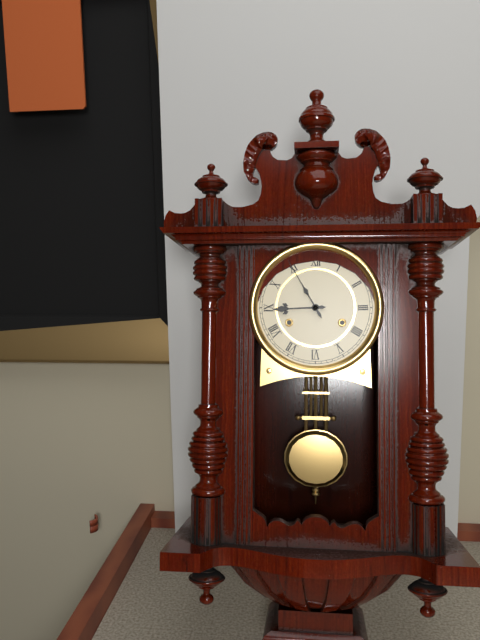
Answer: h=8 m=55
